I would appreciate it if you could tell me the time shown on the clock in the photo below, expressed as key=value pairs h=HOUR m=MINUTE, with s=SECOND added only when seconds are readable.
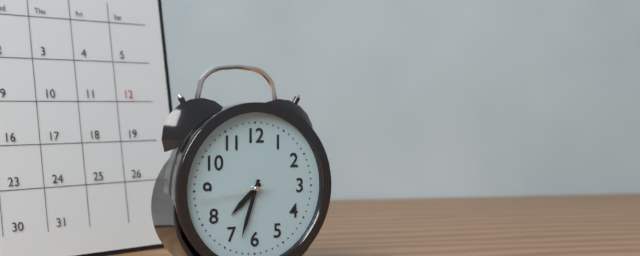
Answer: h=7 m=33 s=44
